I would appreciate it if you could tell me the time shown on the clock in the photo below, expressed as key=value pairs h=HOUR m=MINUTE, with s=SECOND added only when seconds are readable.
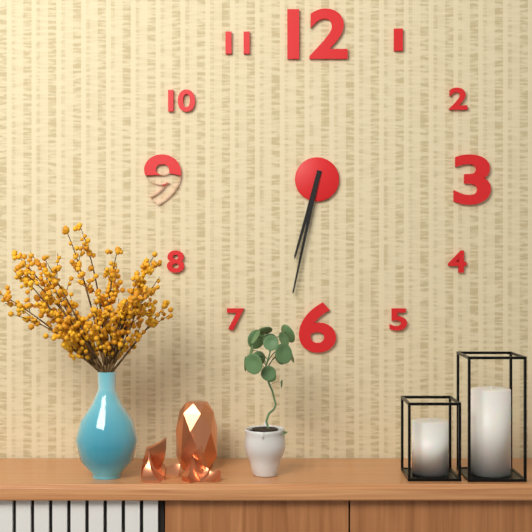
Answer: h=6 m=32
